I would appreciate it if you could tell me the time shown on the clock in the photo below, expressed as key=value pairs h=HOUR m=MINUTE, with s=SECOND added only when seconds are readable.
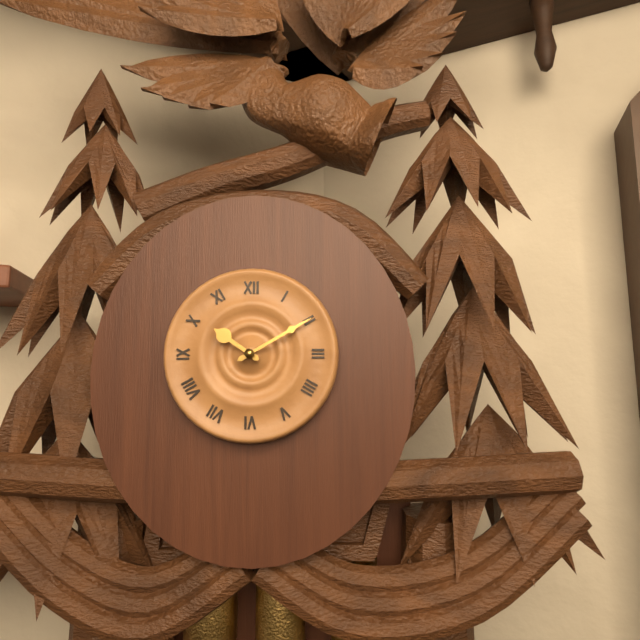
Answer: h=10 m=10
